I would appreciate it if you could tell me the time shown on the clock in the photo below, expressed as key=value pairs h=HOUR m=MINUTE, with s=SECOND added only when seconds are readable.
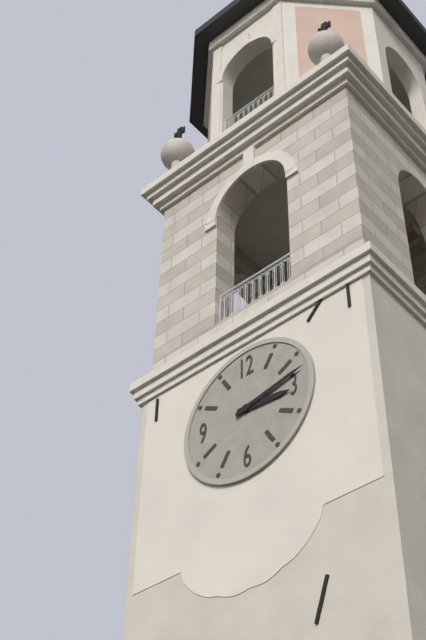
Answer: h=3 m=13
